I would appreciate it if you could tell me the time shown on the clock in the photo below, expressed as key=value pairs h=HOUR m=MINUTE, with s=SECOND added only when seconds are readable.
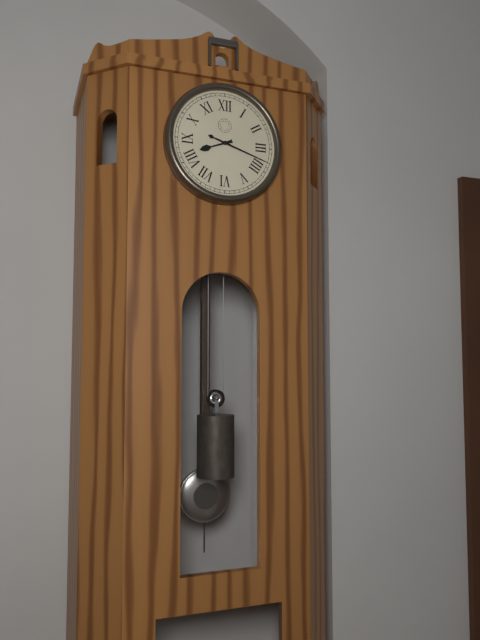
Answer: h=8 m=18
